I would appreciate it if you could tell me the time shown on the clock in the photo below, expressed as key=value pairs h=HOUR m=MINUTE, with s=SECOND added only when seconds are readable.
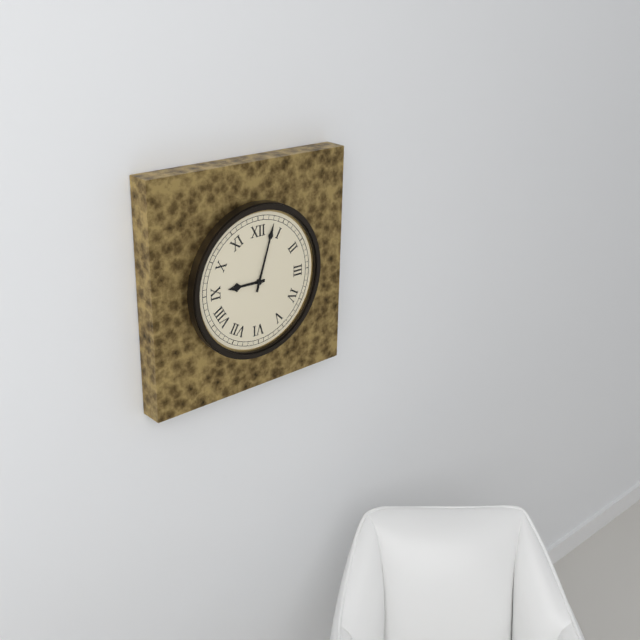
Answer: h=9 m=3
